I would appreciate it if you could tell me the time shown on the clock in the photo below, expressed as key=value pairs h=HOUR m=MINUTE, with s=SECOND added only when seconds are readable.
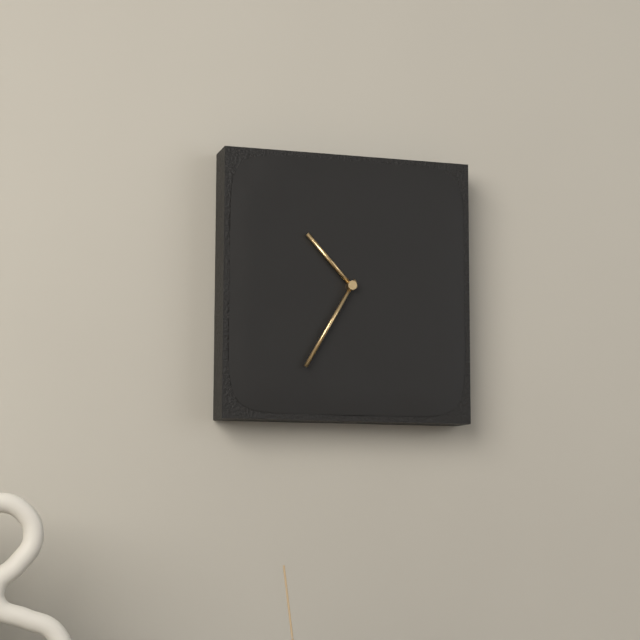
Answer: h=10 m=35
